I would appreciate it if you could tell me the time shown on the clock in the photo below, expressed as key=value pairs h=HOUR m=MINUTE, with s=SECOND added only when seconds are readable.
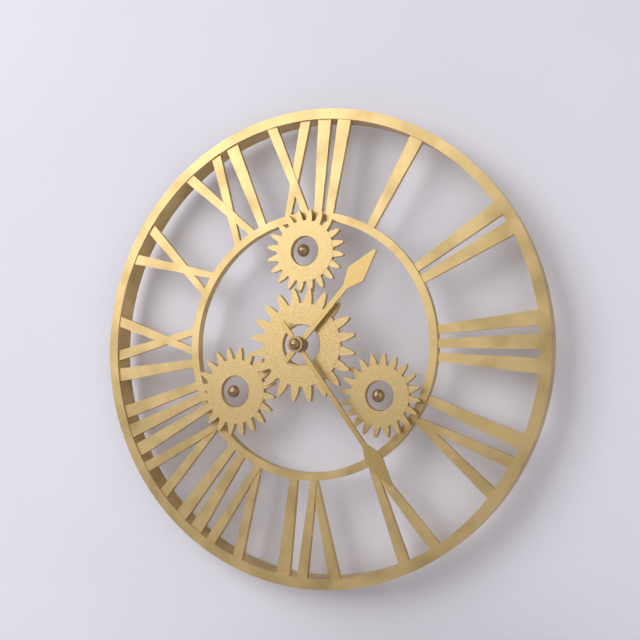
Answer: h=1 m=24
